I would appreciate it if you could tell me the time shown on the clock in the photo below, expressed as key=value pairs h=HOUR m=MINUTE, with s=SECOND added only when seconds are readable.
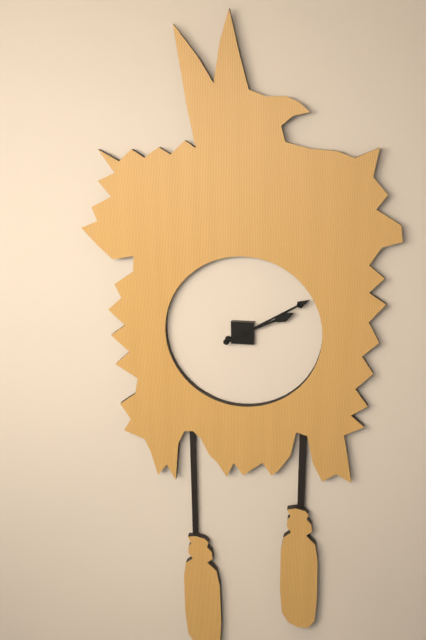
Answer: h=2 m=10
